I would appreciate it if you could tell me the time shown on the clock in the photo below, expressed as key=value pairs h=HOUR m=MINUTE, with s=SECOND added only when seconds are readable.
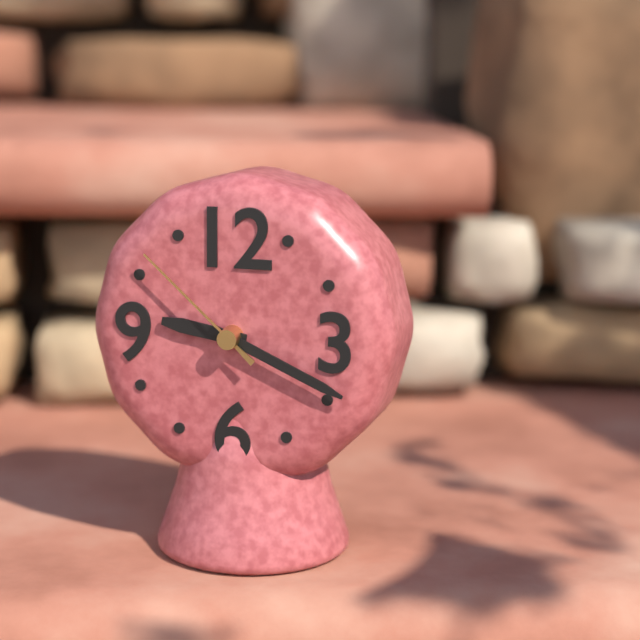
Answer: h=9 m=19 s=52
